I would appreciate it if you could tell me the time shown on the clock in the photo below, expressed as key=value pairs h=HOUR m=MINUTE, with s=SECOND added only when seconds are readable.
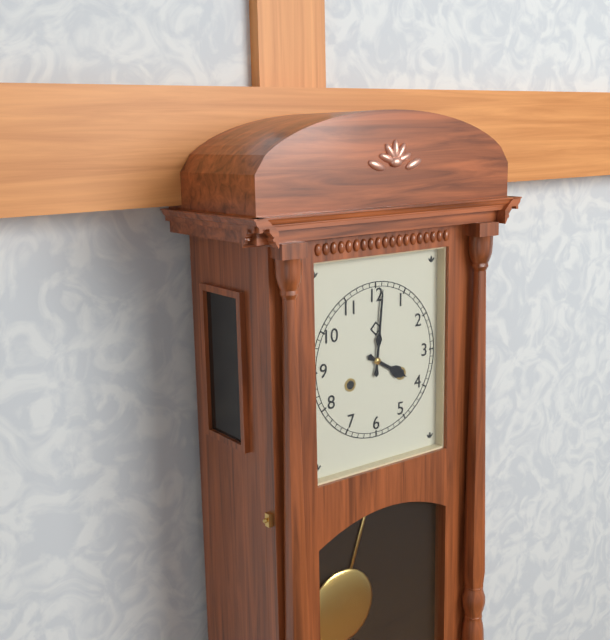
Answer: h=4 m=1
